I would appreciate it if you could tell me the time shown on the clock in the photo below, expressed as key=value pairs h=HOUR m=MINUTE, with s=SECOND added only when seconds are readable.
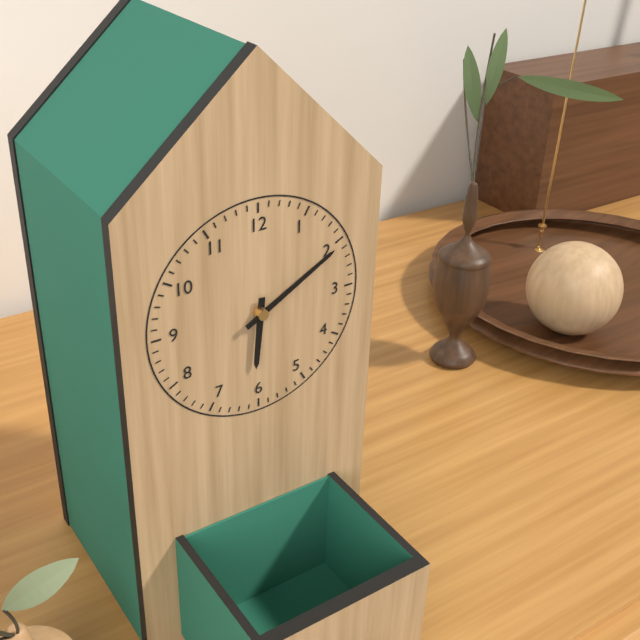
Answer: h=6 m=10
